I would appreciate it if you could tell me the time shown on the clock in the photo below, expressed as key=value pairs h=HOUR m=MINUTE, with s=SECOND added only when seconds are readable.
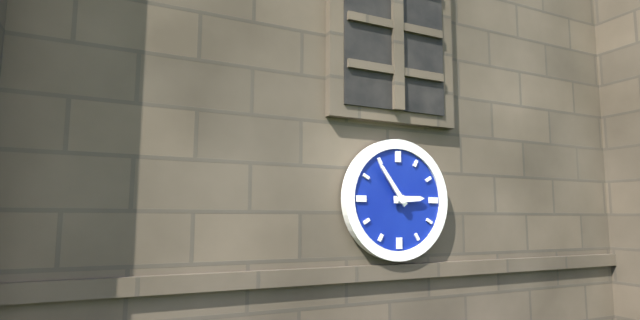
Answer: h=2 m=54
